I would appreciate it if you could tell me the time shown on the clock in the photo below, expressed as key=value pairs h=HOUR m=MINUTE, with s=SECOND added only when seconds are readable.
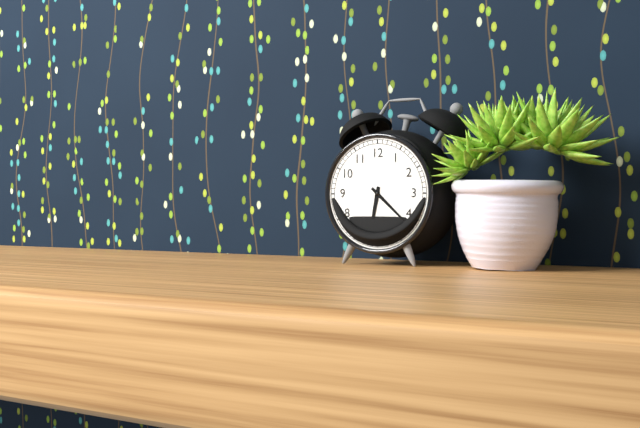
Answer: h=6 m=22
